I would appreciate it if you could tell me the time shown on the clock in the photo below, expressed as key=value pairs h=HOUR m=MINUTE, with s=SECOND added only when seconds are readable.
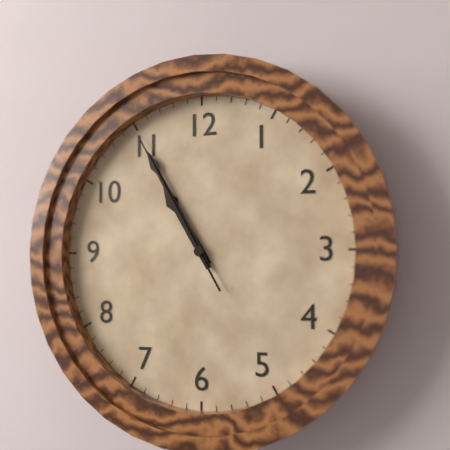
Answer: h=10 m=55 s=55
